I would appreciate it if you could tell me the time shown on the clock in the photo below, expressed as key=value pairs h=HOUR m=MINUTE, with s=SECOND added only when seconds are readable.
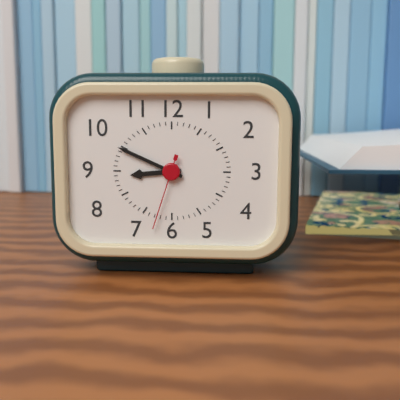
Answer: h=8 m=49 s=33
